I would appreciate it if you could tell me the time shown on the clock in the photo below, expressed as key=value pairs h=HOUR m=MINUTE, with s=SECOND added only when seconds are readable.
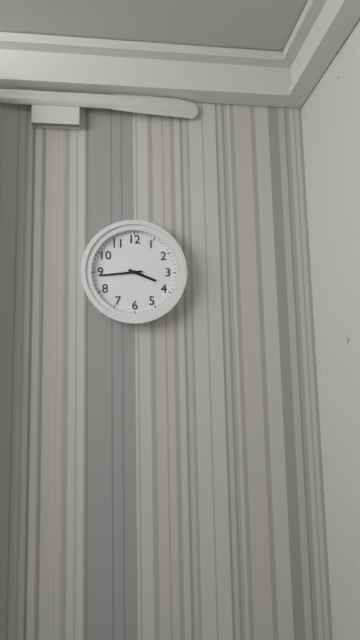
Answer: h=3 m=44
